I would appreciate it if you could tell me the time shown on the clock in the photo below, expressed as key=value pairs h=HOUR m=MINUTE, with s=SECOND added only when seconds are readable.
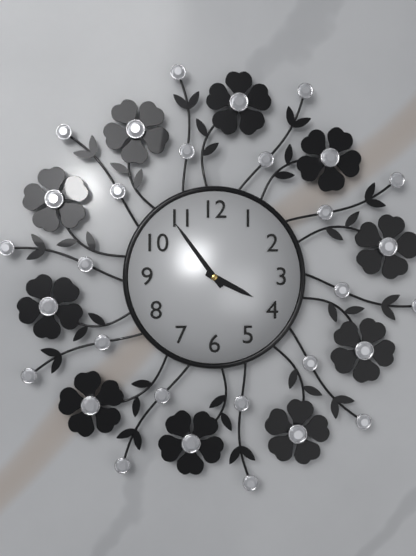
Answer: h=3 m=54
